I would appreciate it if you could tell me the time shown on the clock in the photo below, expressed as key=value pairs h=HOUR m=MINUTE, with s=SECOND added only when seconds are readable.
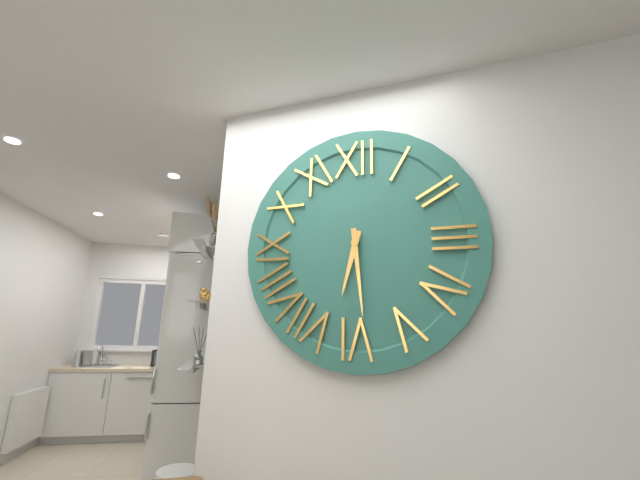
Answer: h=6 m=29
